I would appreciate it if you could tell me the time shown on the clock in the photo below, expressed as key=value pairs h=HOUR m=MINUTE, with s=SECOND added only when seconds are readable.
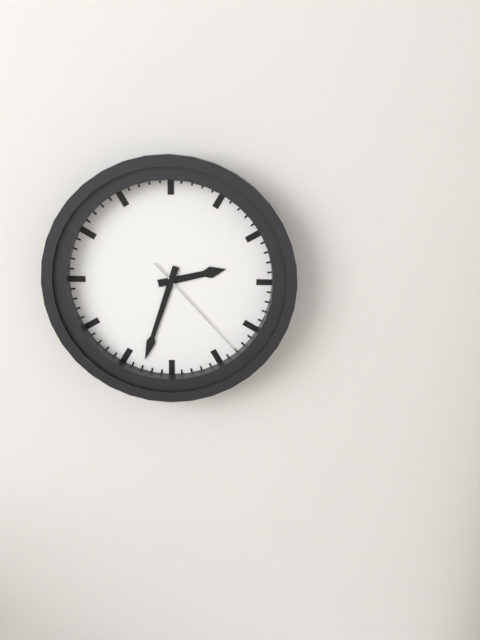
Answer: h=2 m=33 s=23
